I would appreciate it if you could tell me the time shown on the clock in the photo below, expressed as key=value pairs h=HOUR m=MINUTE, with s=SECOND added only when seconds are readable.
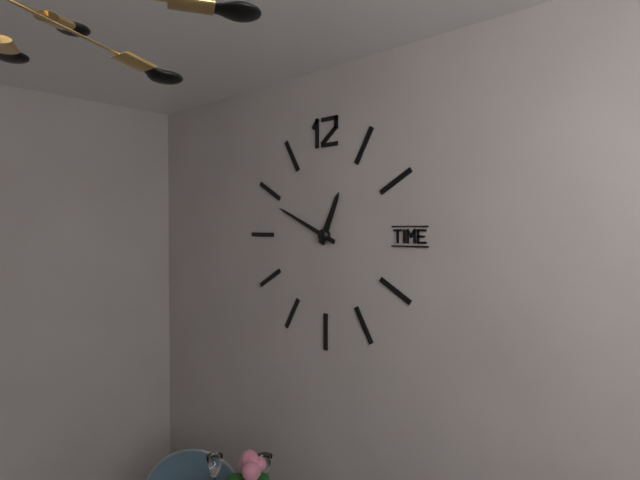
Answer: h=12 m=49
